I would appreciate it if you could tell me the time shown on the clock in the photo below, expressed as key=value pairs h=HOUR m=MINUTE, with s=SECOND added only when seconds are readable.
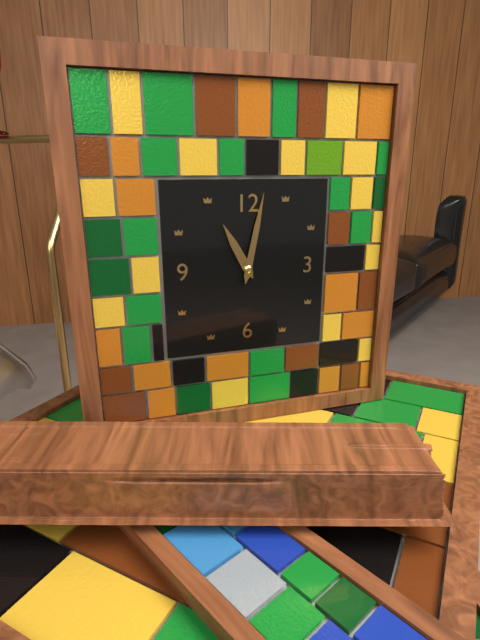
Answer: h=11 m=2
